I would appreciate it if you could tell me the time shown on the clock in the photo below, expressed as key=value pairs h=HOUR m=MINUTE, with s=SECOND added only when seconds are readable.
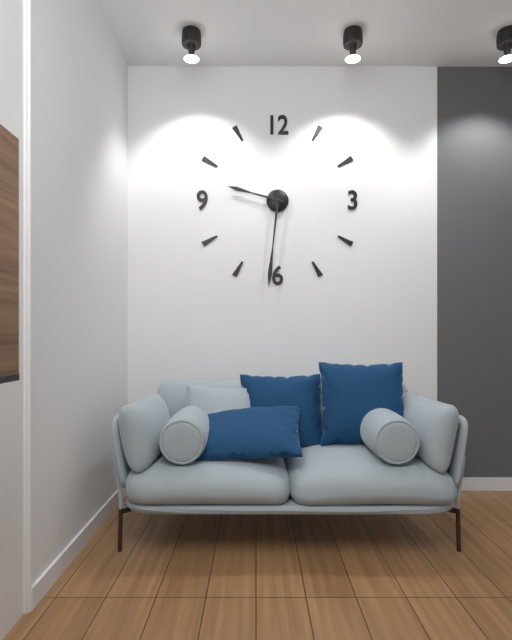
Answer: h=9 m=31
